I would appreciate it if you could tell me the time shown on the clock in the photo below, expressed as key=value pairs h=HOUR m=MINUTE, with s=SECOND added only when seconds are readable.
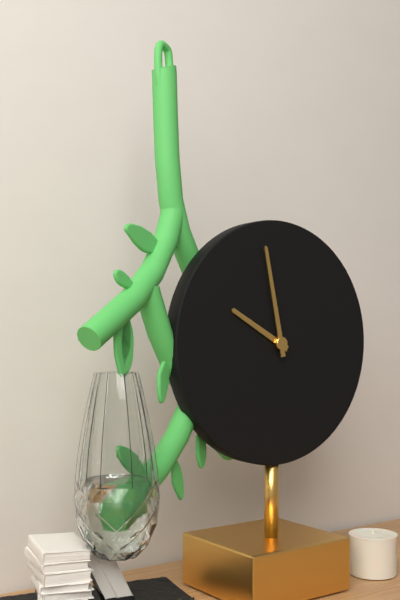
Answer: h=9 m=58
